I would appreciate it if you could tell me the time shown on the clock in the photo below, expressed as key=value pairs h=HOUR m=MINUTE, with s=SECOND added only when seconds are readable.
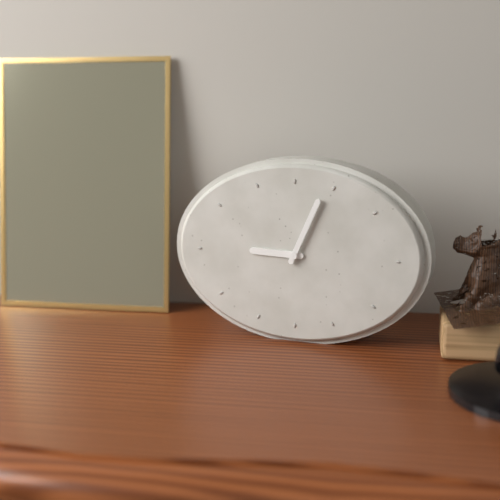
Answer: h=9 m=4
